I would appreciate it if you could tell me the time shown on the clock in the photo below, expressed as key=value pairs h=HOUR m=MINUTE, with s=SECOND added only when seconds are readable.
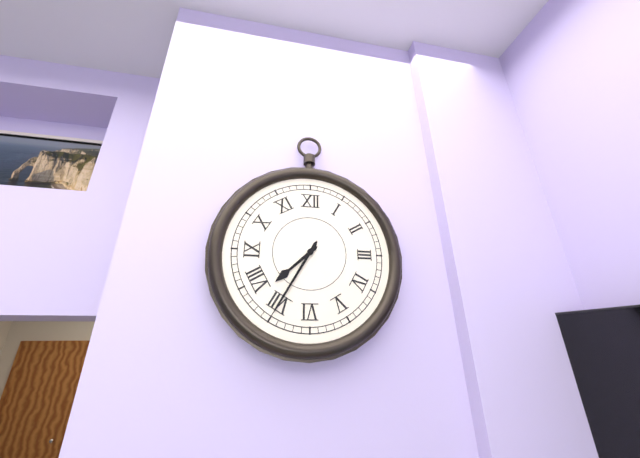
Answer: h=7 m=35
